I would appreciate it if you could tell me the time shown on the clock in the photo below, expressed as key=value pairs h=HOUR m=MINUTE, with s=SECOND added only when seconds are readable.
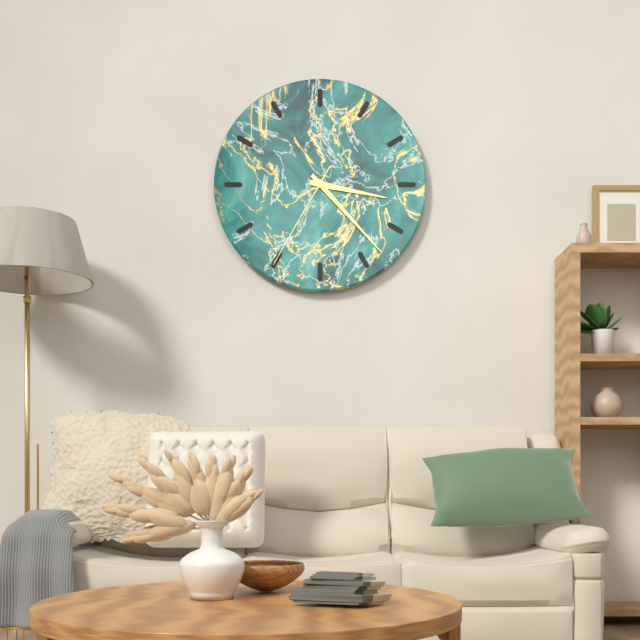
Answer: h=3 m=23 s=35
